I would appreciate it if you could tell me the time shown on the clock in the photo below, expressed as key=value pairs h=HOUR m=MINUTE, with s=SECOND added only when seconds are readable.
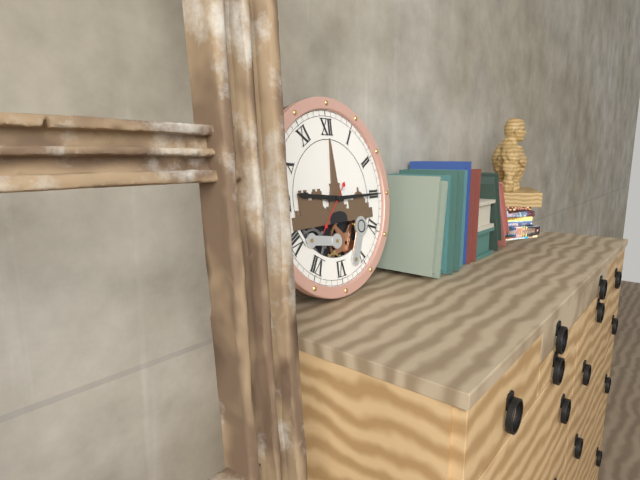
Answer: h=9 m=15
